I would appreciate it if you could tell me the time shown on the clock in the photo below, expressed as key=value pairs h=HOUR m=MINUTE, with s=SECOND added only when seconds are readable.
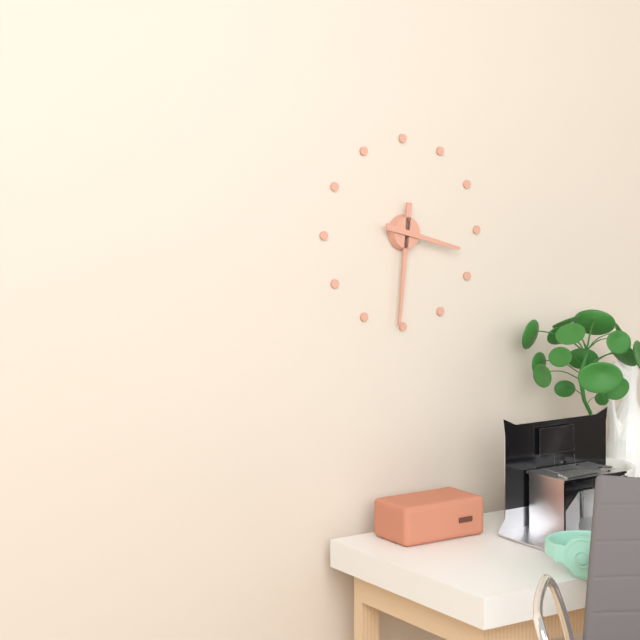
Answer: h=3 m=31
